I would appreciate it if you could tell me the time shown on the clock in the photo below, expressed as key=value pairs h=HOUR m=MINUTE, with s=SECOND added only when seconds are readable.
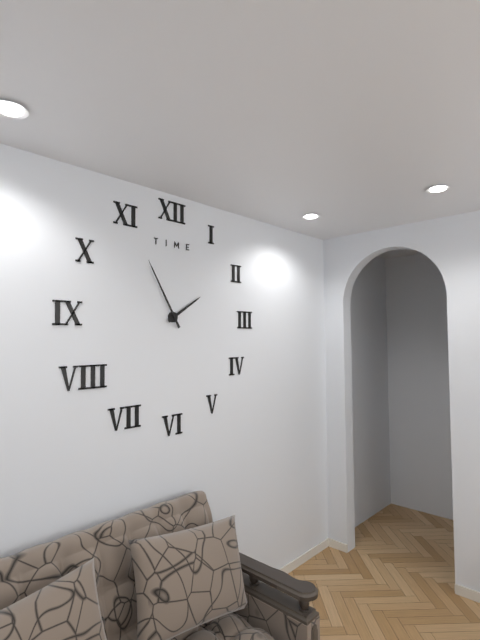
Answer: h=1 m=55
